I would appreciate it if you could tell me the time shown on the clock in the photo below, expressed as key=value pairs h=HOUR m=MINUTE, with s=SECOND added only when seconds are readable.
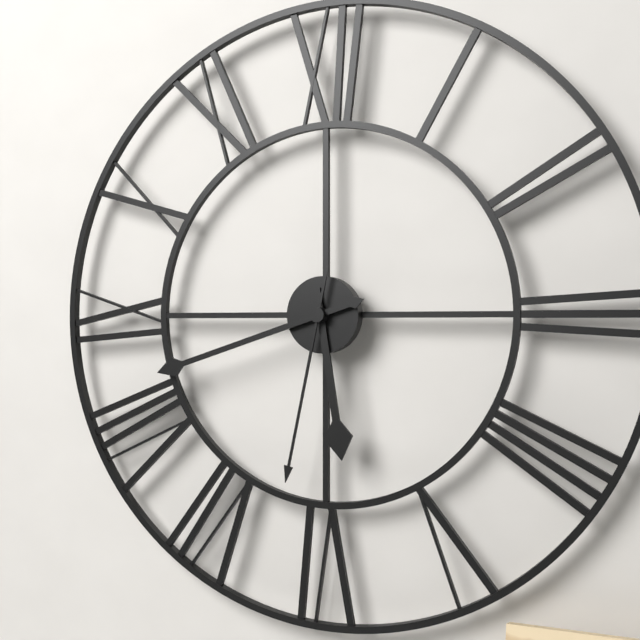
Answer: h=5 m=42 s=32
